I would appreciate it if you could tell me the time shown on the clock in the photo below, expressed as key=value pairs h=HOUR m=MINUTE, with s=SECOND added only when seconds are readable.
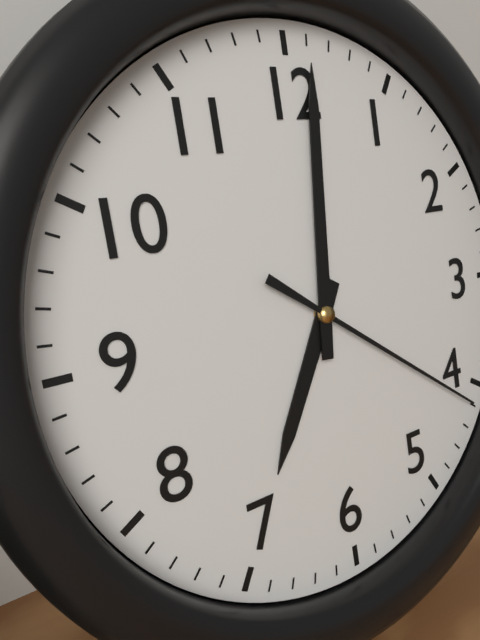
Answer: h=7 m=1 s=21
